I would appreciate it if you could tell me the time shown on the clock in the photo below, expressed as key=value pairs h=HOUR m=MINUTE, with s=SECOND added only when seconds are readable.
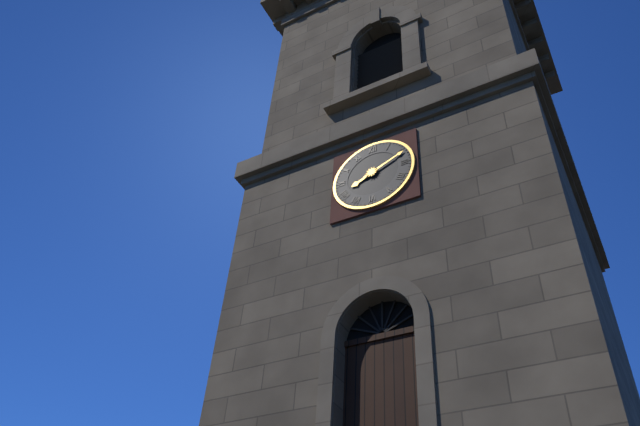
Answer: h=8 m=11
